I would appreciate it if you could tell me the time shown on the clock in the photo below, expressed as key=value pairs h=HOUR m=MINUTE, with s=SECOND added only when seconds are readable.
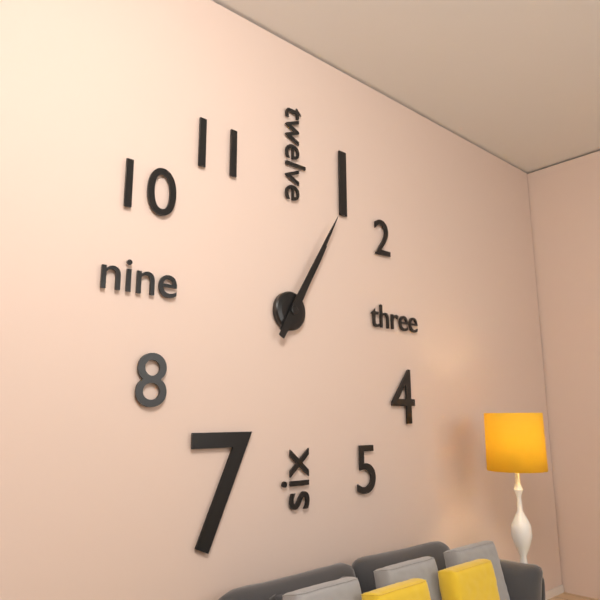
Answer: h=1 m=5
